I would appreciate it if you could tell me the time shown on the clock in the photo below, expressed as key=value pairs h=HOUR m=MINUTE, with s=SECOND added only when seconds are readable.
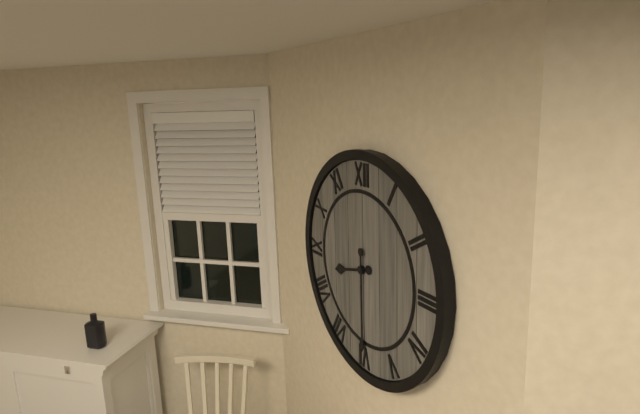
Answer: h=8 m=30
